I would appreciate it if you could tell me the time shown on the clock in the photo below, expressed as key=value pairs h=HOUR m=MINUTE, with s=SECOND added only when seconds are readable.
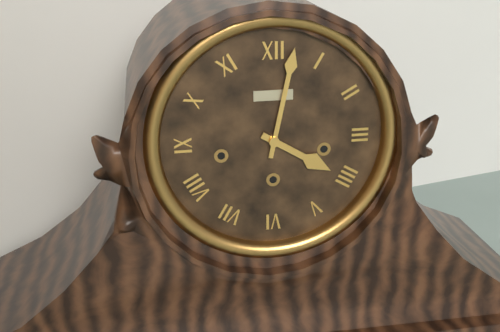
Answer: h=4 m=2
